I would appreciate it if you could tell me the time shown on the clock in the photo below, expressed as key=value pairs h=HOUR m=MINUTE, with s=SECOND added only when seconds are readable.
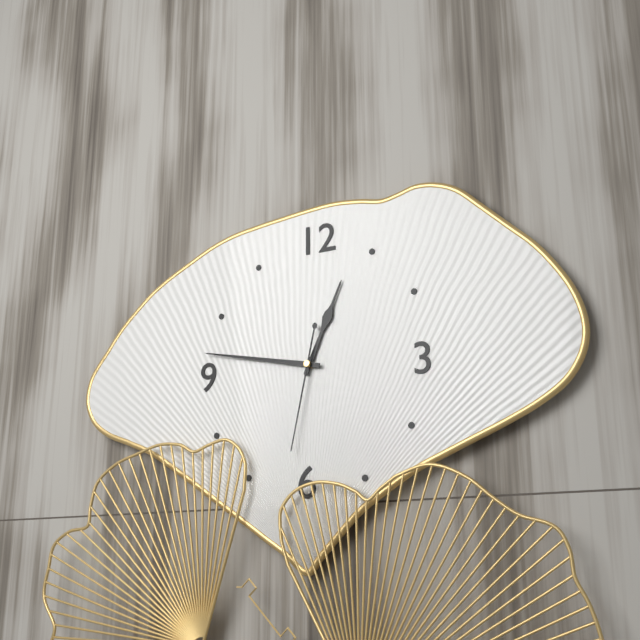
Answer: h=12 m=47 s=32
